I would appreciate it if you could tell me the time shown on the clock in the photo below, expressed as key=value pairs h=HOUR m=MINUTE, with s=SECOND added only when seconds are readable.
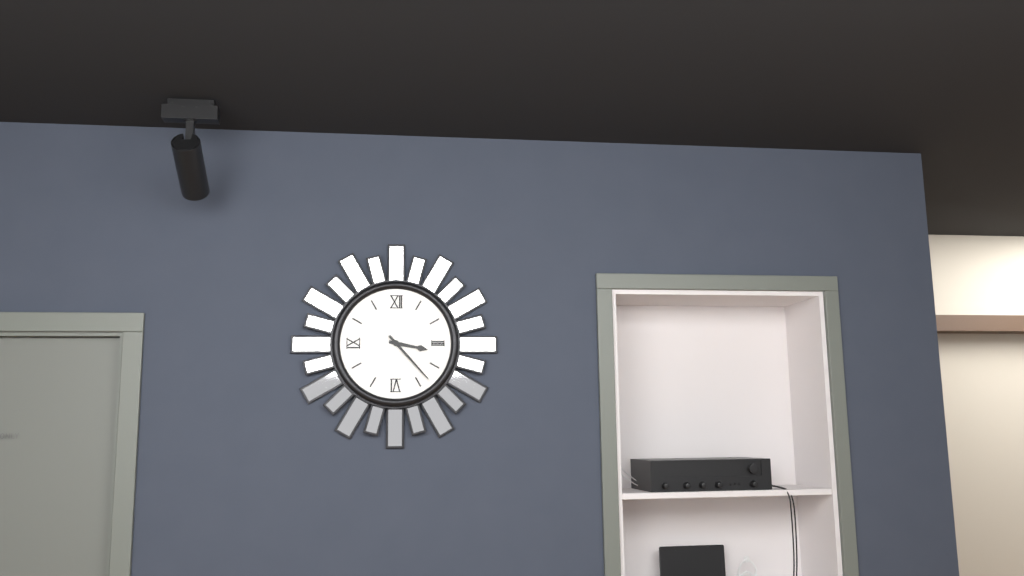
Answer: h=3 m=23
